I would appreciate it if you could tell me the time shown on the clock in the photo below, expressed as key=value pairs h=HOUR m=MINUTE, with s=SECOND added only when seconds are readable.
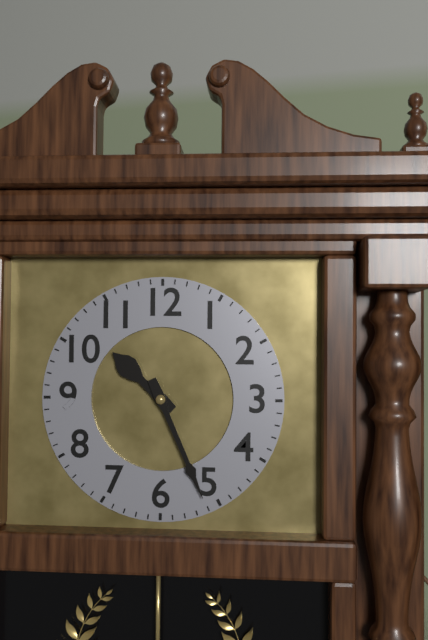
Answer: h=10 m=26
